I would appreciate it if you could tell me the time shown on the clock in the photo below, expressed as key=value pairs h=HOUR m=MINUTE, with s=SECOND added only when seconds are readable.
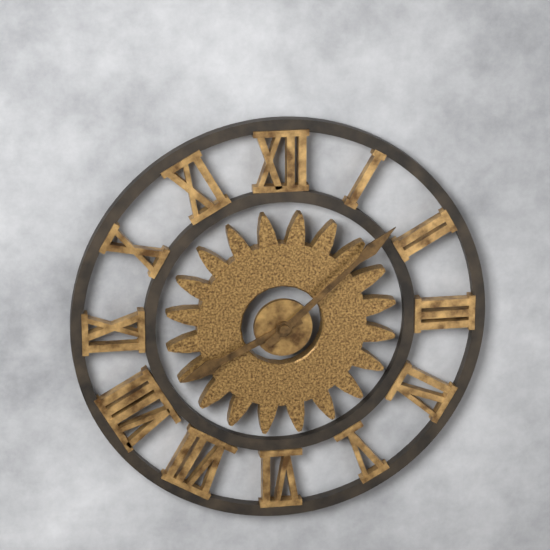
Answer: h=8 m=8
